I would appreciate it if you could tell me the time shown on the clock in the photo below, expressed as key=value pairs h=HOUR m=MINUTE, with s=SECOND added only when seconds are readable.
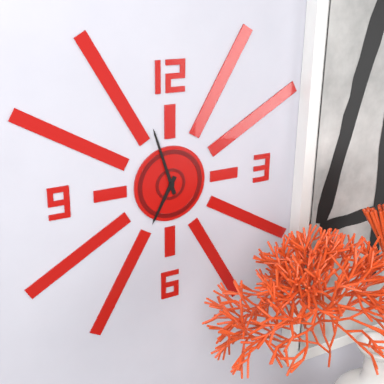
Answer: h=6 m=57
